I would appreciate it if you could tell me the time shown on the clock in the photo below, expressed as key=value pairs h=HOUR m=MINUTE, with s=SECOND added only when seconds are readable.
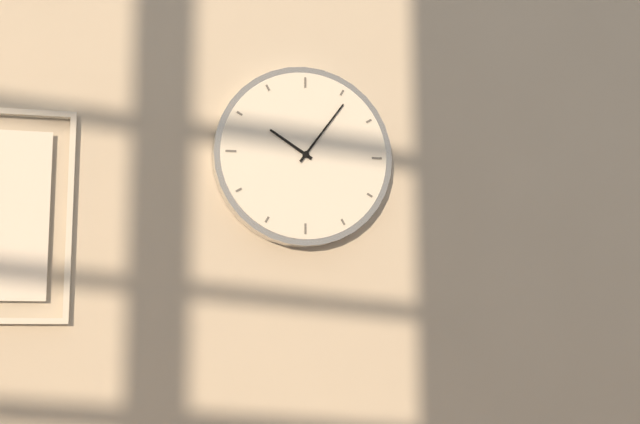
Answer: h=10 m=6
